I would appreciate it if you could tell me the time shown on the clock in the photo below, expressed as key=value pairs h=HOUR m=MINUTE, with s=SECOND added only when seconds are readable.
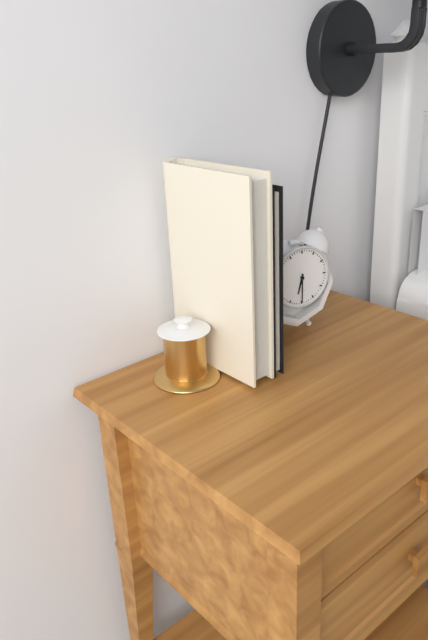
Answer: h=6 m=30
